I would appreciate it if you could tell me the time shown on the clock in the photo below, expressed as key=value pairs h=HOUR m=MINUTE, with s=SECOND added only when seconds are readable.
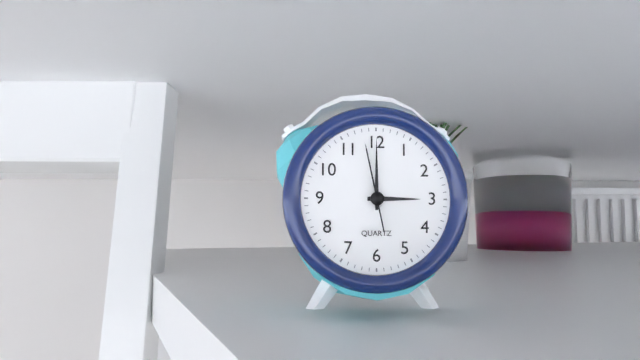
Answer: h=3 m=0 s=58
